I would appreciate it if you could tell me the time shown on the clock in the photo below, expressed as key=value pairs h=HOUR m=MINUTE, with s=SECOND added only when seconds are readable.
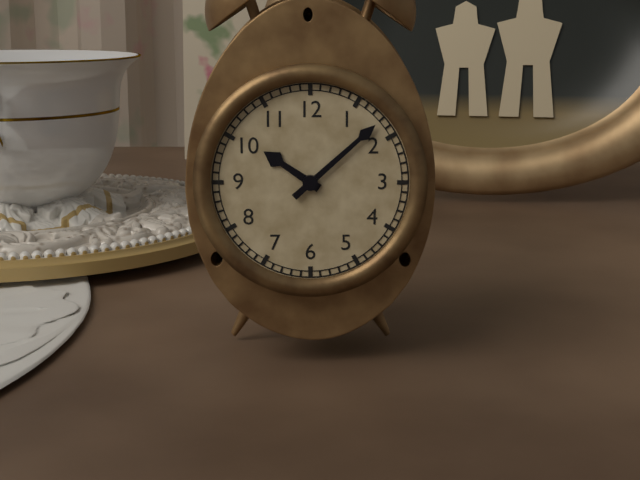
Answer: h=10 m=8
